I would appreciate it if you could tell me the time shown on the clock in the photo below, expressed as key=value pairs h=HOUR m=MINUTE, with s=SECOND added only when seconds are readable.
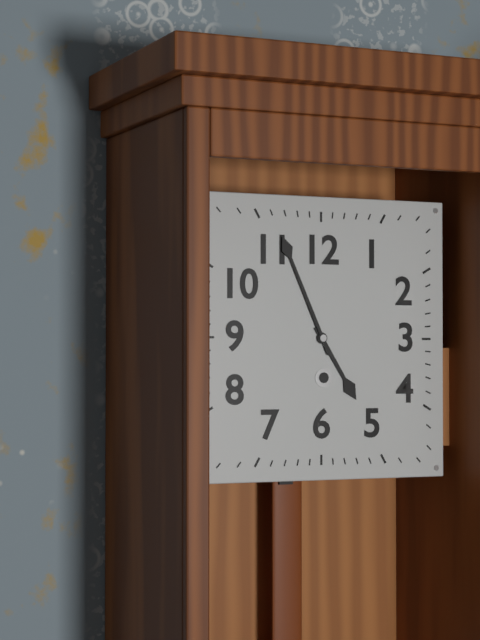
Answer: h=4 m=56
